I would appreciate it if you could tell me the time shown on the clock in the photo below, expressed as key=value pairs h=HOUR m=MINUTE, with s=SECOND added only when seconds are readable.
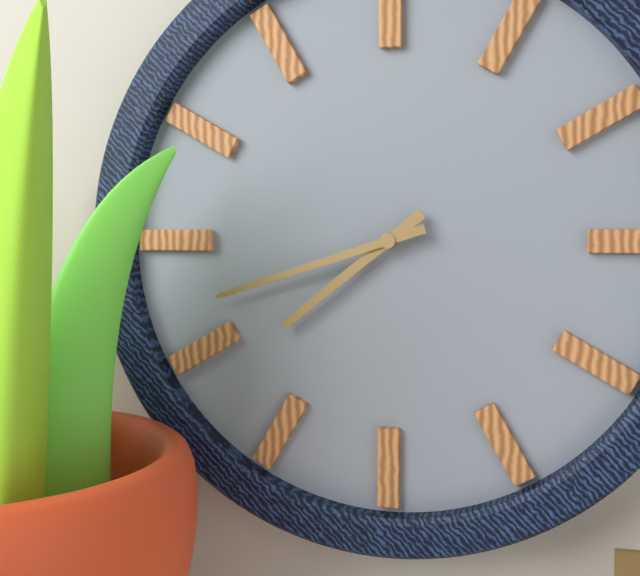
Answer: h=7 m=42
